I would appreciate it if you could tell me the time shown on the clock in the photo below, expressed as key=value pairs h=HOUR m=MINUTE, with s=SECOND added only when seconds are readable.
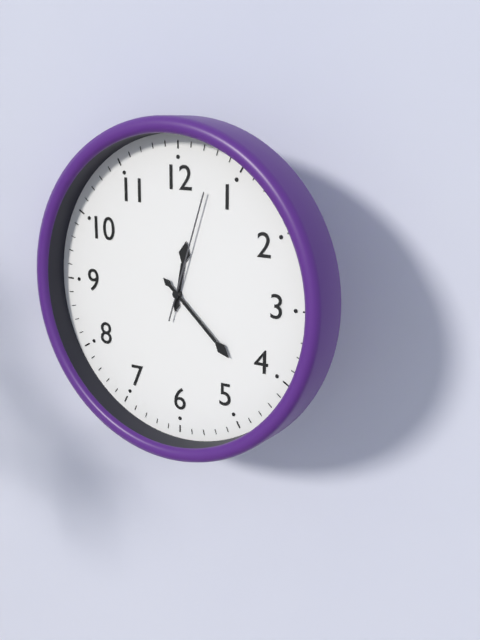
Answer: h=12 m=22 s=3
